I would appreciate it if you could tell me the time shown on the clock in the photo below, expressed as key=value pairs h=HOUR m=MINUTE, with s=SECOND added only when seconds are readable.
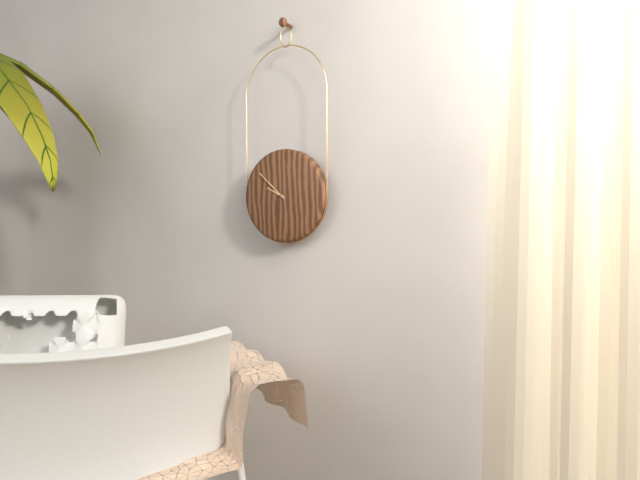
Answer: h=9 m=52
